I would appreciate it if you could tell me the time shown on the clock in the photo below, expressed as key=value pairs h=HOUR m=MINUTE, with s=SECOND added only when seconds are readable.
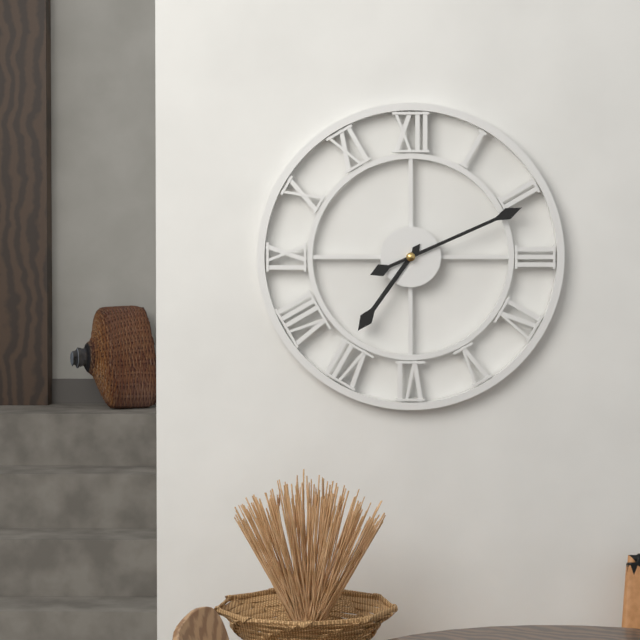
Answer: h=7 m=11
